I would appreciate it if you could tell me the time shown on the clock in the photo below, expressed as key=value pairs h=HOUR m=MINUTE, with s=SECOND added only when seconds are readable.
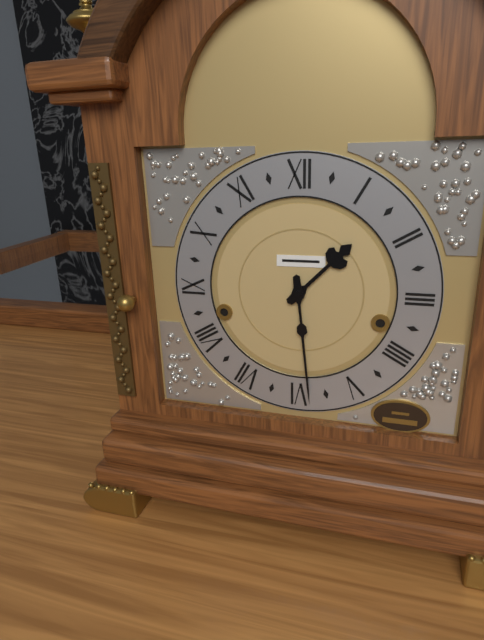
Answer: h=1 m=29
